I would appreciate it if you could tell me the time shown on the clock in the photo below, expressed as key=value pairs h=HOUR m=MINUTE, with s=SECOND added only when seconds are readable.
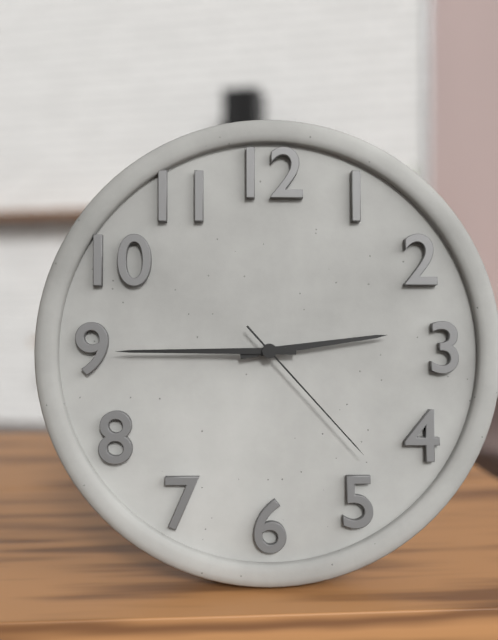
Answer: h=2 m=45 s=23
